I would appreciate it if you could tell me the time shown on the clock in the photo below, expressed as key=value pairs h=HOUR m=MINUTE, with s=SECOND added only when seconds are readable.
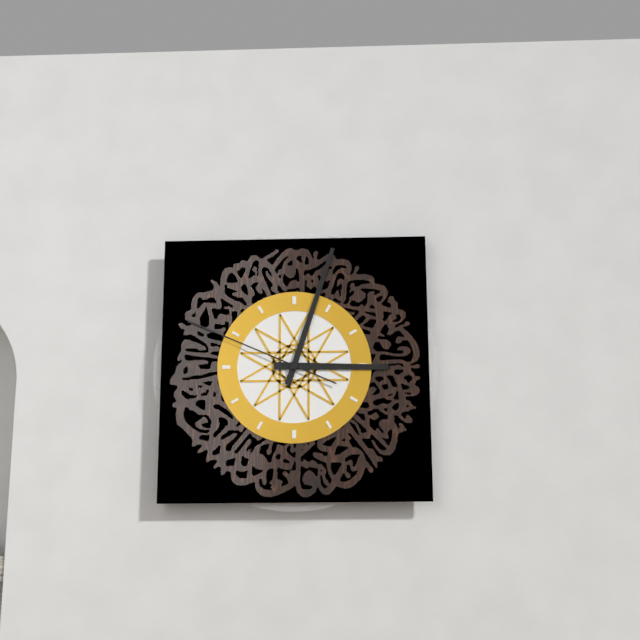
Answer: h=3 m=3 s=49
